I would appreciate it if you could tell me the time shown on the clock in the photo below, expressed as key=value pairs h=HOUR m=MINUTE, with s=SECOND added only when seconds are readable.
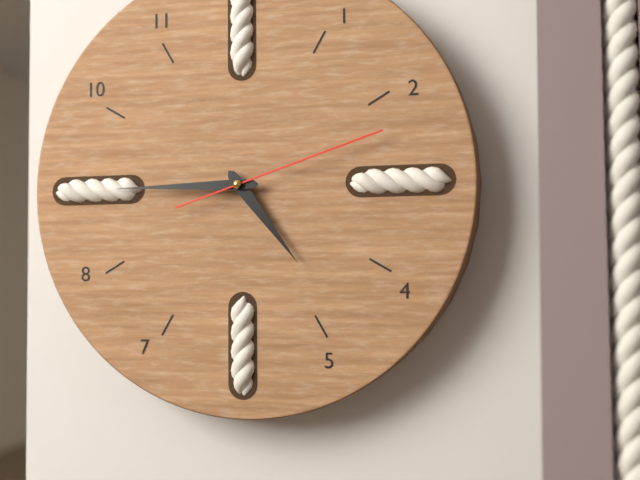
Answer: h=4 m=45 s=12
